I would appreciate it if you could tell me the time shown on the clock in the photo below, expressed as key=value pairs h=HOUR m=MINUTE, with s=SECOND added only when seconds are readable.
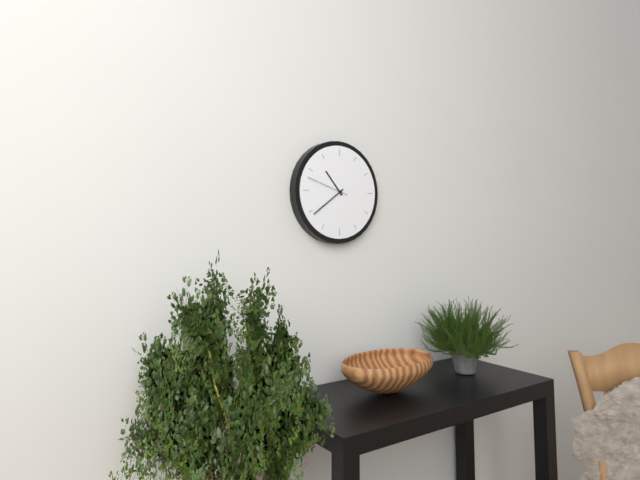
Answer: h=10 m=39
